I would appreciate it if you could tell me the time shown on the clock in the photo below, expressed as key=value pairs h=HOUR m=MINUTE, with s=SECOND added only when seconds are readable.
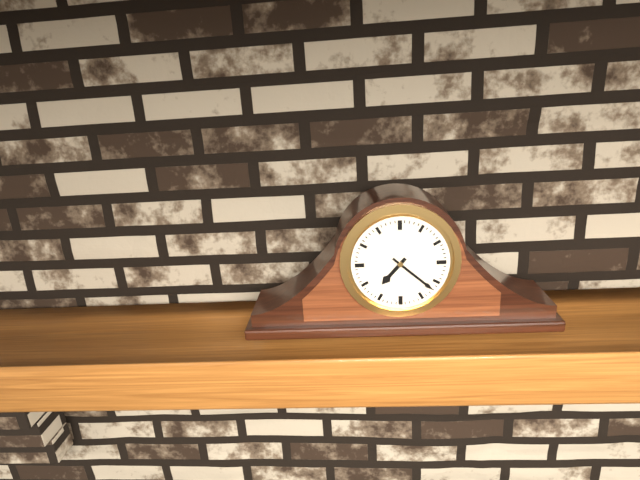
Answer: h=7 m=22
